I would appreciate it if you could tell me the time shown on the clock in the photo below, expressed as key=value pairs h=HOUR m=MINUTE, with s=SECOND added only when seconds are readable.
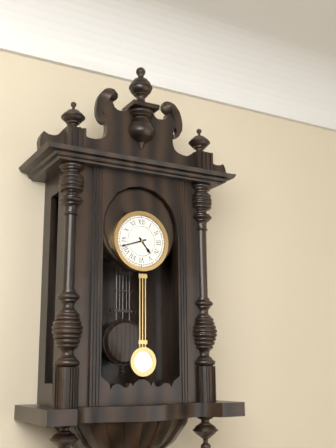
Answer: h=4 m=42
